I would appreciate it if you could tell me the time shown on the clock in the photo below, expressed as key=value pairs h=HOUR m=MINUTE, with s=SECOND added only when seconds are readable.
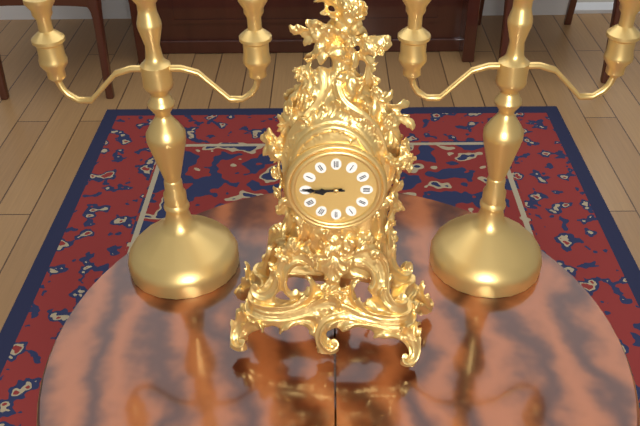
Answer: h=8 m=45
